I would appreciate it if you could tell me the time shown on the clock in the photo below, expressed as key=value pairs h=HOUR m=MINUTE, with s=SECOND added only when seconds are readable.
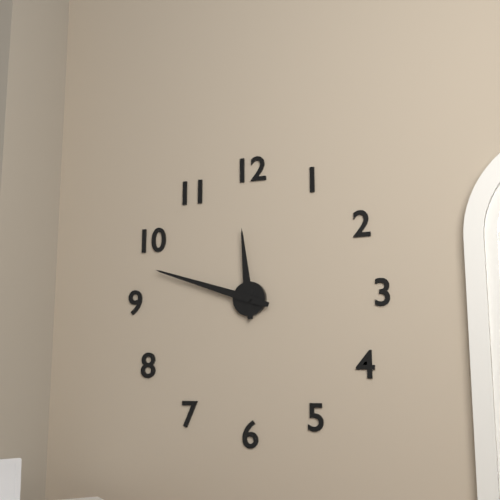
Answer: h=11 m=48
